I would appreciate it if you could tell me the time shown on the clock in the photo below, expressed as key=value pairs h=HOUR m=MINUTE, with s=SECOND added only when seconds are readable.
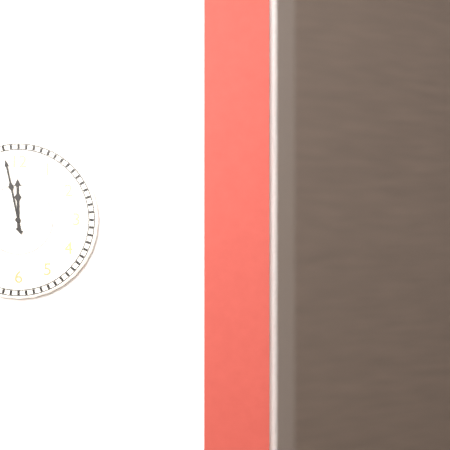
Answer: h=11 m=58
